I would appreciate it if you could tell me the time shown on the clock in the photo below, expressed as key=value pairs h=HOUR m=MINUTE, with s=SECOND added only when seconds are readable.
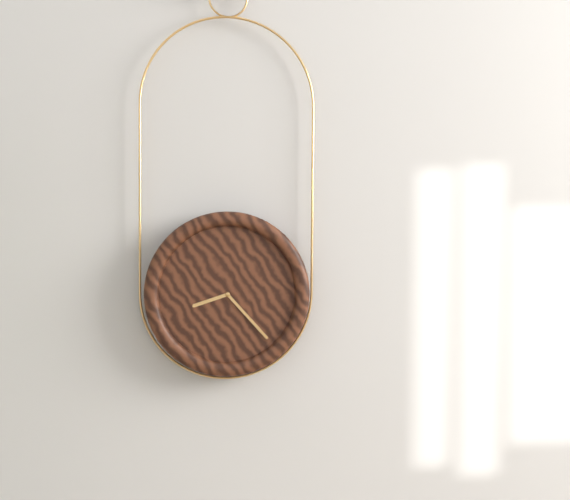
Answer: h=8 m=23
